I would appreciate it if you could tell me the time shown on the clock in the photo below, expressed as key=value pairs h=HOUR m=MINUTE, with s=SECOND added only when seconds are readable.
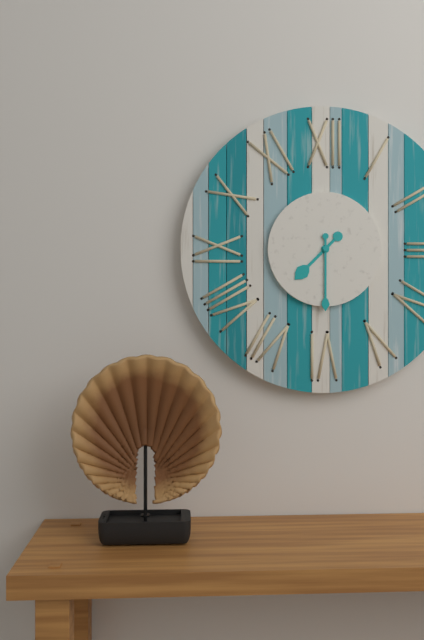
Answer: h=7 m=30
